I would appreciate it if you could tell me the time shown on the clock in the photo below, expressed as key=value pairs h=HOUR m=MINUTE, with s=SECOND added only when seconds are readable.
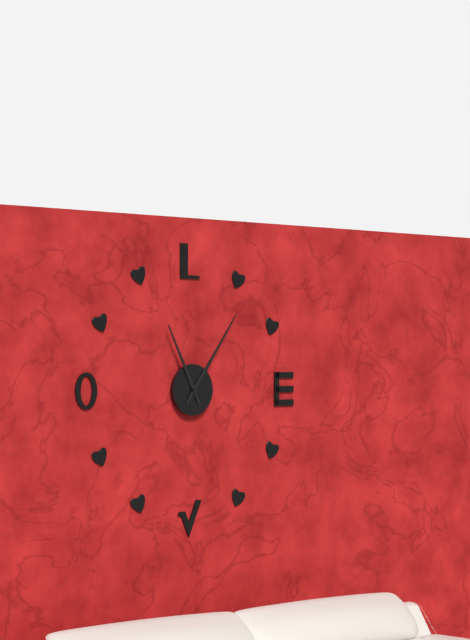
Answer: h=11 m=6
